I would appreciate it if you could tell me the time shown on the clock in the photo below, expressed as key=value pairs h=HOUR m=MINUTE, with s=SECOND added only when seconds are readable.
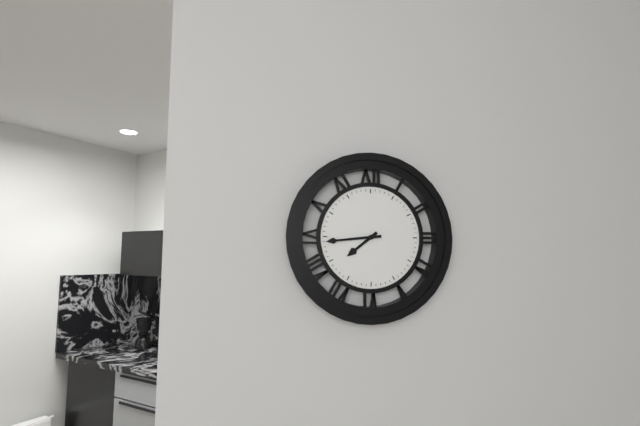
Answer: h=7 m=44
